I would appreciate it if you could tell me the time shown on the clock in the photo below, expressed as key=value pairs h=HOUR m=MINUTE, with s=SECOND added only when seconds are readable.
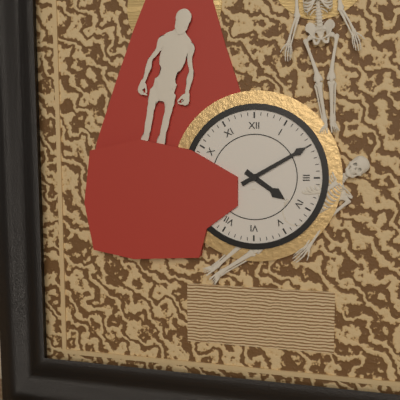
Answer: h=4 m=10
